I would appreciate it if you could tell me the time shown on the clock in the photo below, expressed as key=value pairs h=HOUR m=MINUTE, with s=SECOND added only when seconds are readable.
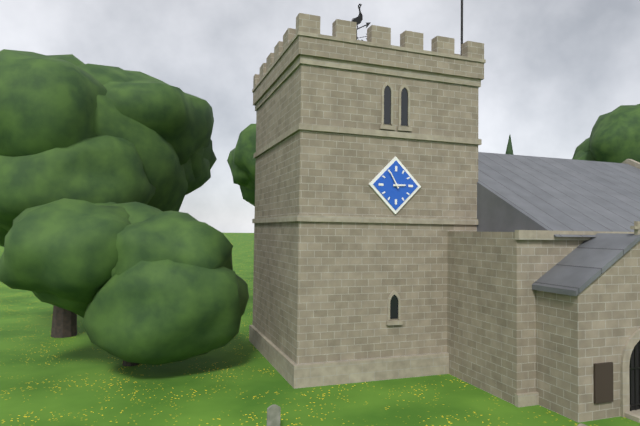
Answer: h=2 m=55
